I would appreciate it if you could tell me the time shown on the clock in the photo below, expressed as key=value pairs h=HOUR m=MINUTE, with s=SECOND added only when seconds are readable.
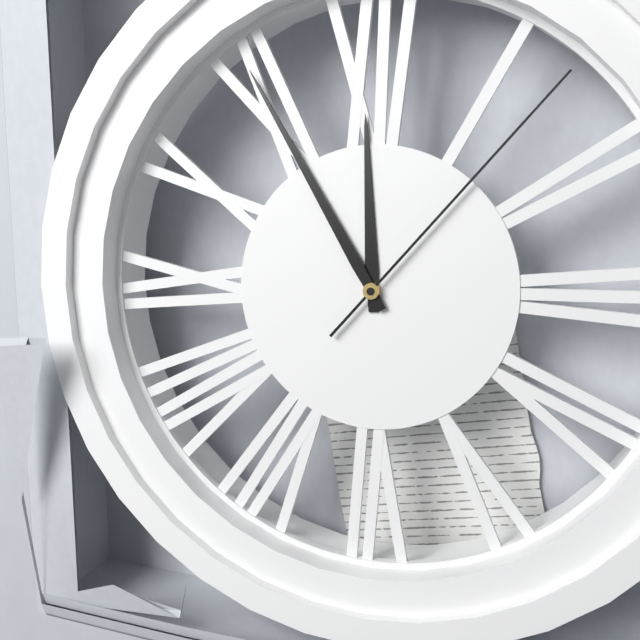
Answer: h=11 m=55 s=7
